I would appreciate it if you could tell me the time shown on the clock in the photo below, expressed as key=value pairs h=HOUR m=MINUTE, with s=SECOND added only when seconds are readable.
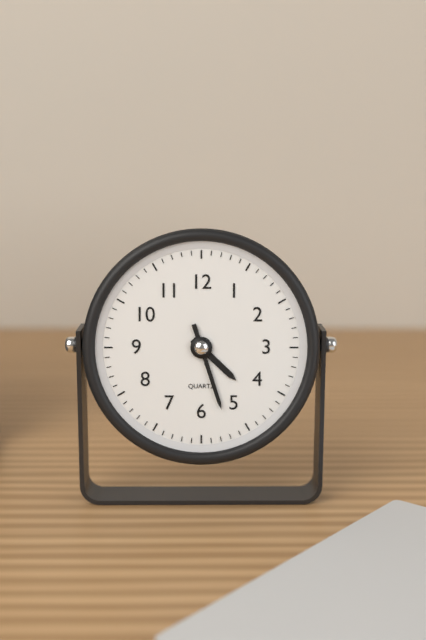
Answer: h=4 m=27
